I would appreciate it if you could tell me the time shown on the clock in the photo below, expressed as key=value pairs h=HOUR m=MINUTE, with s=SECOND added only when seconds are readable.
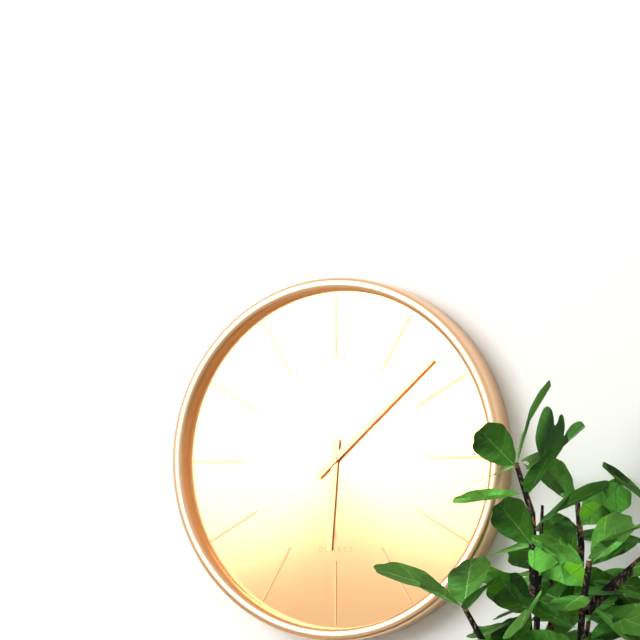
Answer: h=6 m=8
